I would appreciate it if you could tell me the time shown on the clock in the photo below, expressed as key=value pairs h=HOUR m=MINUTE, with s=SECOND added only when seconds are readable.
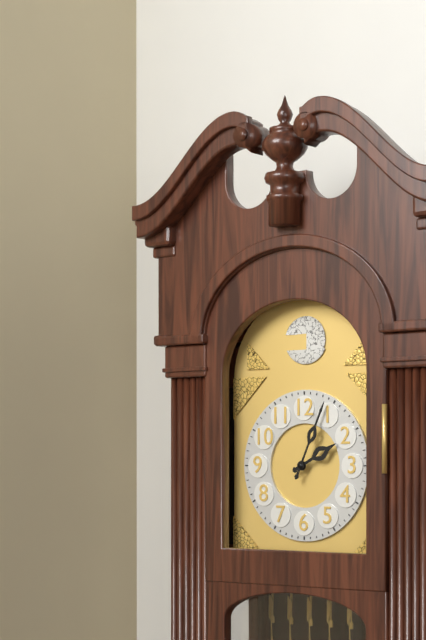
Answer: h=2 m=4
